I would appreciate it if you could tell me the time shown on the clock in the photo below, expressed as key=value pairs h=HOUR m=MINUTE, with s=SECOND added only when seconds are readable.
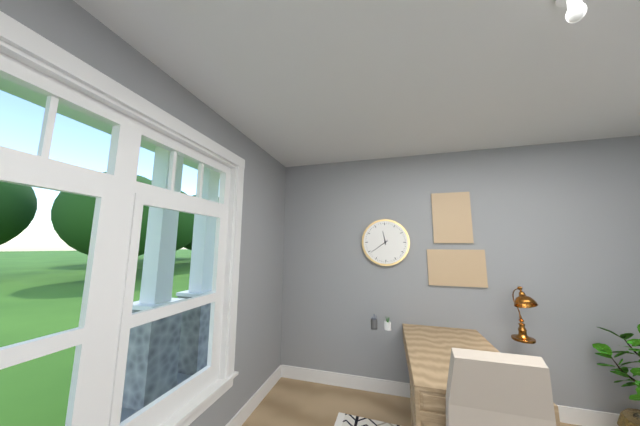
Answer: h=11 m=39
